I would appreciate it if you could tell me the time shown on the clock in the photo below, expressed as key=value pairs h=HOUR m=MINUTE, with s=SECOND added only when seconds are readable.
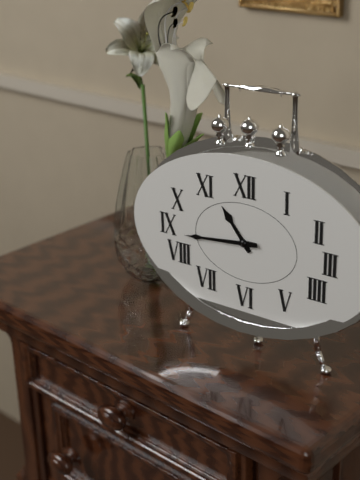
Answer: h=10 m=44
